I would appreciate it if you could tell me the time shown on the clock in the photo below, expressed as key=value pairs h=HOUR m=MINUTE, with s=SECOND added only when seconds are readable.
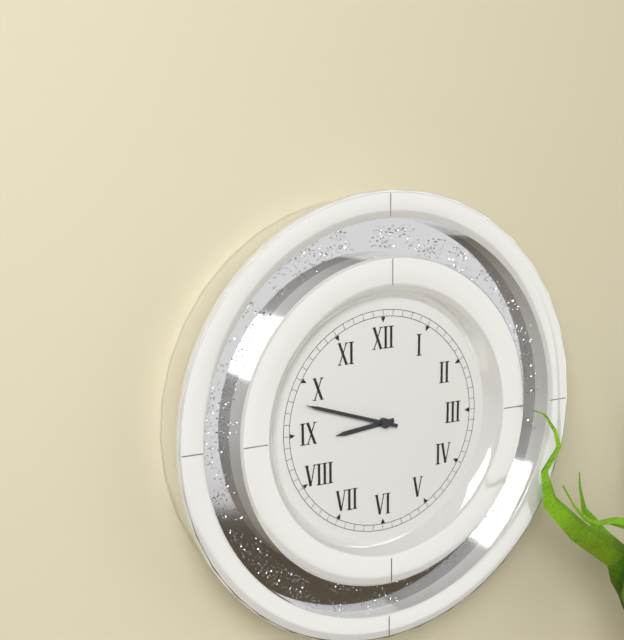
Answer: h=8 m=48
